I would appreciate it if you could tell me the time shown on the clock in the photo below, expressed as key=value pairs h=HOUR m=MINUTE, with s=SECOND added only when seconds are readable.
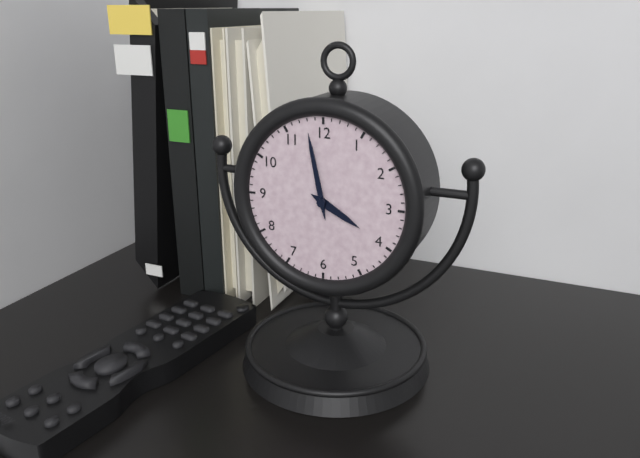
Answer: h=3 m=58
